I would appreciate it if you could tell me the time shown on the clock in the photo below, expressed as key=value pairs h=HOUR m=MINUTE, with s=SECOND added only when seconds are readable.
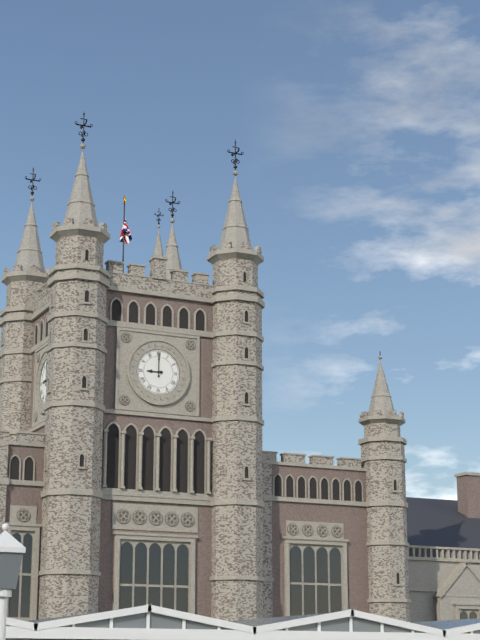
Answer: h=9 m=0
